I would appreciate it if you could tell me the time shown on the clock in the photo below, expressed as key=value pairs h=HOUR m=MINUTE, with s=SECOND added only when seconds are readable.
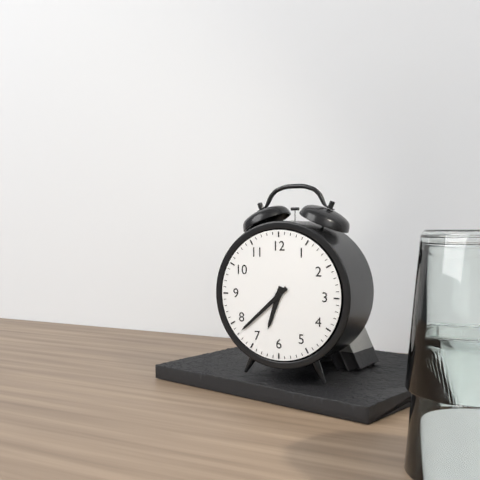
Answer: h=6 m=38
